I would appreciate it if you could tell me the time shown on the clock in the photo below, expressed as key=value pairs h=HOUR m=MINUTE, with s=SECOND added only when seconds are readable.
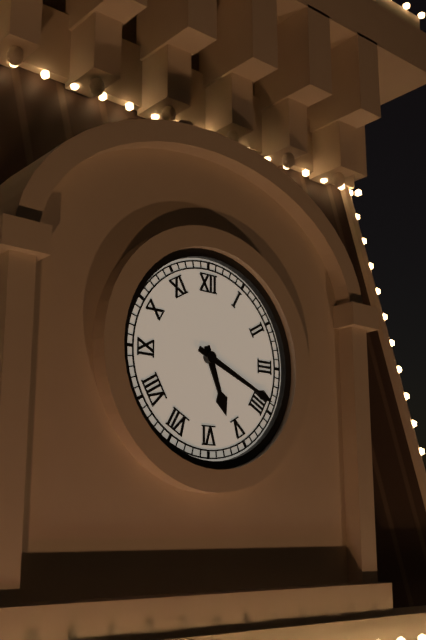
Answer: h=5 m=19
